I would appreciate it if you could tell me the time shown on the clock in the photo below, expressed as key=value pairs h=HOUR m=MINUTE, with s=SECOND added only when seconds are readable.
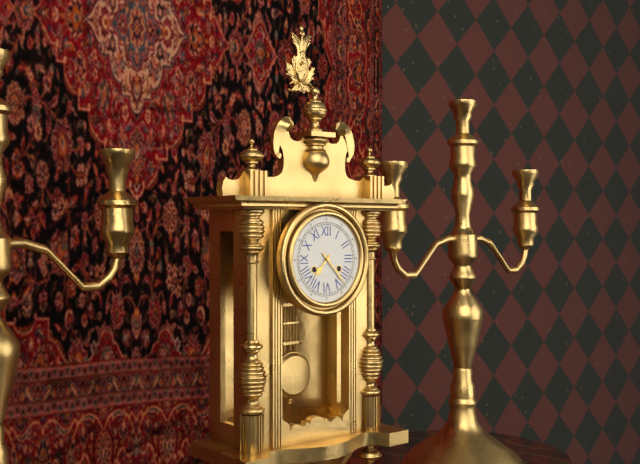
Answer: h=7 m=23
